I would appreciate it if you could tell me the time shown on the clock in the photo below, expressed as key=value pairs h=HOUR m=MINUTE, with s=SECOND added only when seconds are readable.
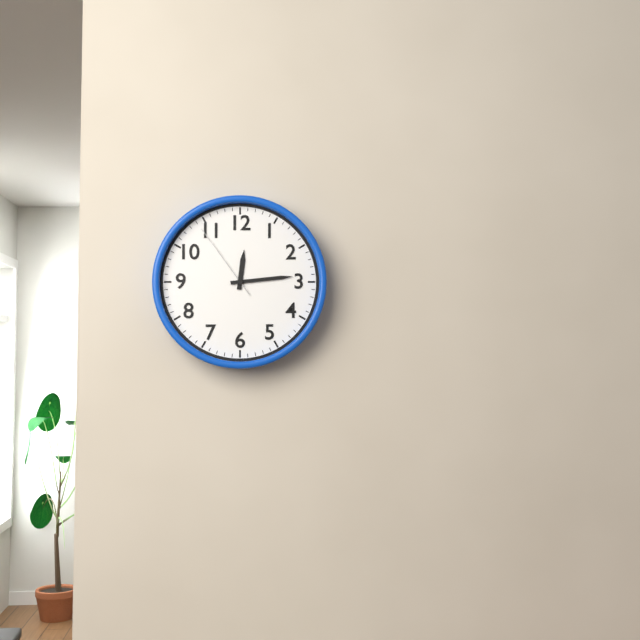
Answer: h=12 m=14 s=54
